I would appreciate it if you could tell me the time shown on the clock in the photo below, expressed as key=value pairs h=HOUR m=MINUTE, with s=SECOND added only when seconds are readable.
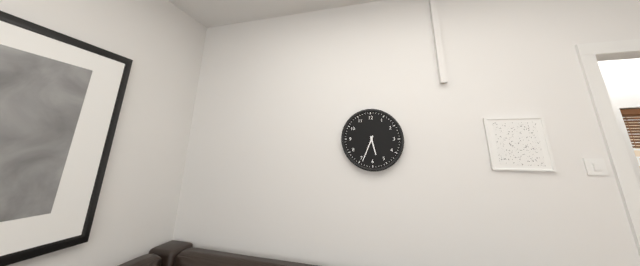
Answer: h=5 m=34
